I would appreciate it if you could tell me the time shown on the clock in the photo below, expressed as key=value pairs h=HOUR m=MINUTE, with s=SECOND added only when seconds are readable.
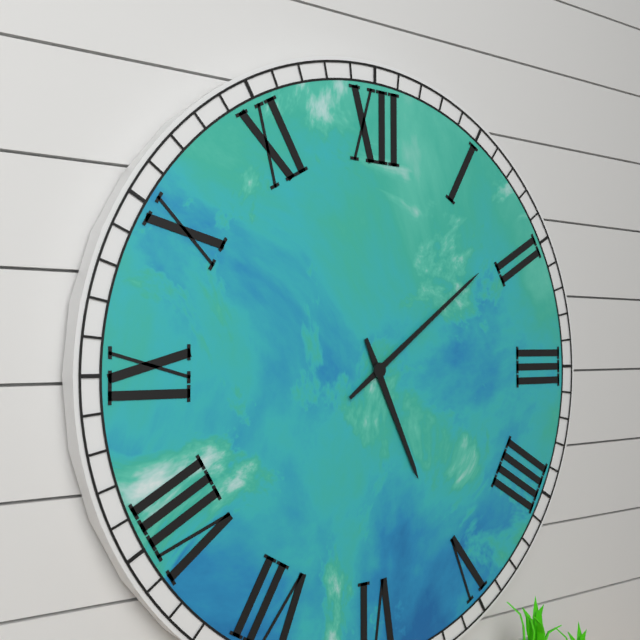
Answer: h=5 m=9
